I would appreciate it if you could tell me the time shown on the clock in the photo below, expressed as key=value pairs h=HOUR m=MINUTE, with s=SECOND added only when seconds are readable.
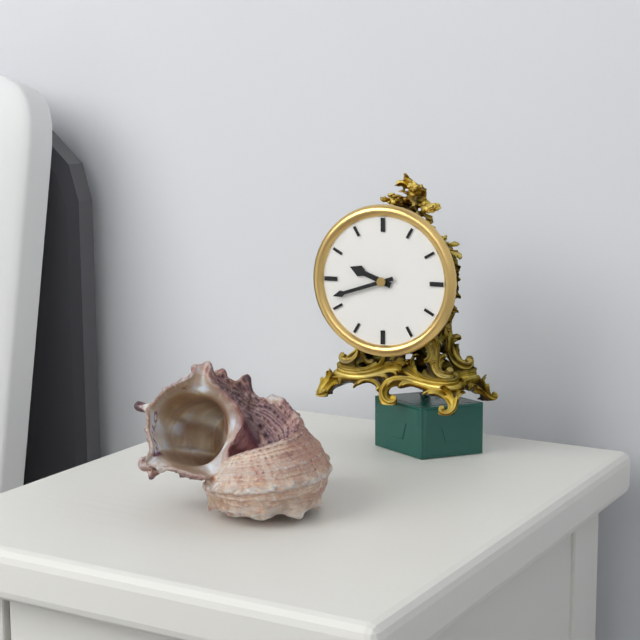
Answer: h=9 m=42
